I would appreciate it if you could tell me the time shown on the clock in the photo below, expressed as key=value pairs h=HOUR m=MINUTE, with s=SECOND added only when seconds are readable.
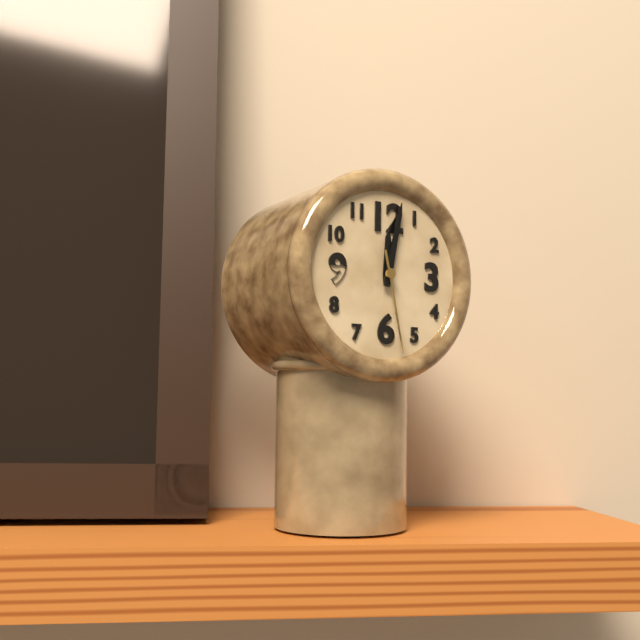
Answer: h=12 m=2 s=28
